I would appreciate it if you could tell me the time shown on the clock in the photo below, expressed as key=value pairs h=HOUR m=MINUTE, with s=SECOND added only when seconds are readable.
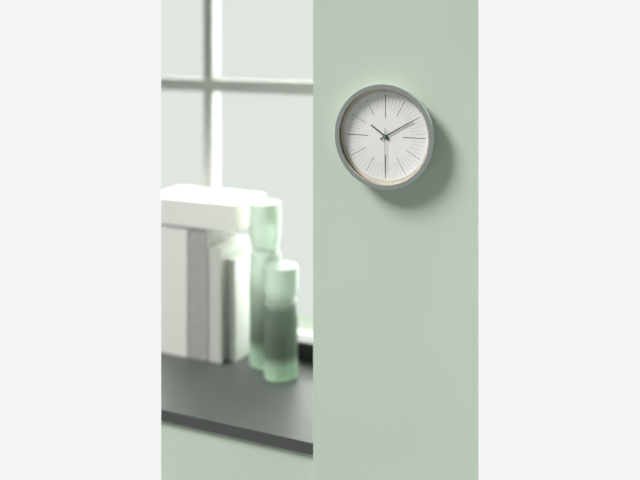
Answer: h=10 m=10
